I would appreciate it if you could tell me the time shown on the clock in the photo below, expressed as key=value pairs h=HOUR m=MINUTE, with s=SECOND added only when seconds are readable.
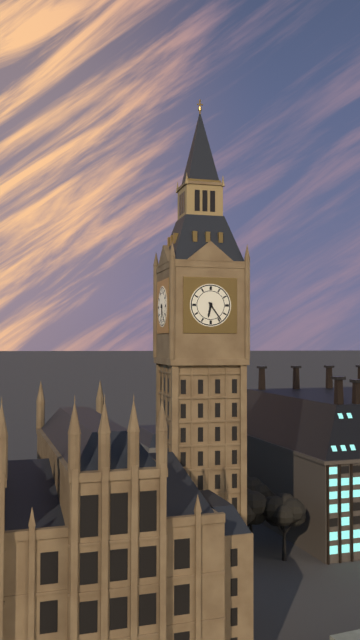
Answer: h=6 m=24
